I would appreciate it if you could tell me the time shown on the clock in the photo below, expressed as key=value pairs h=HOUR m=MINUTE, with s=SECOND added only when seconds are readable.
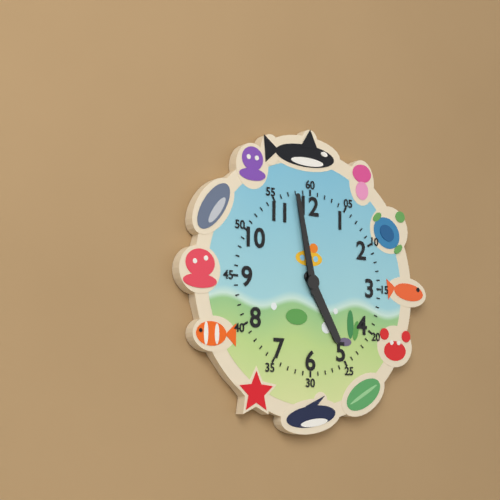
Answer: h=4 m=58
